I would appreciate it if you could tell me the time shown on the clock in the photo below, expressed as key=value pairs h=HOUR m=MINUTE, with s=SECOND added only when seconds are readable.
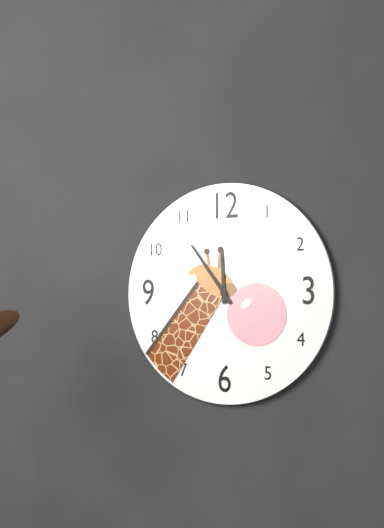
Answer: h=11 m=54
